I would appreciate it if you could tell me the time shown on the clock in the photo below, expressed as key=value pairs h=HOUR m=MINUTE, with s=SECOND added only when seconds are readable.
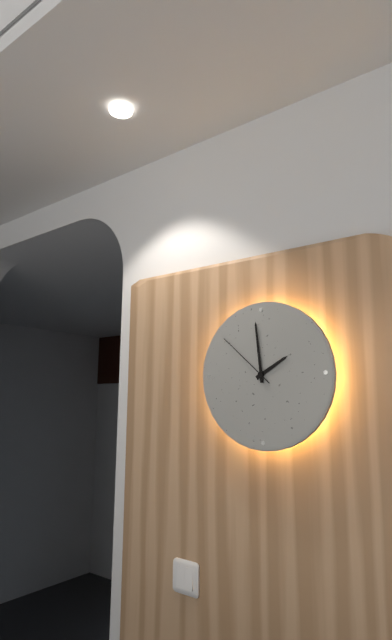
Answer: h=1 m=59 s=52
